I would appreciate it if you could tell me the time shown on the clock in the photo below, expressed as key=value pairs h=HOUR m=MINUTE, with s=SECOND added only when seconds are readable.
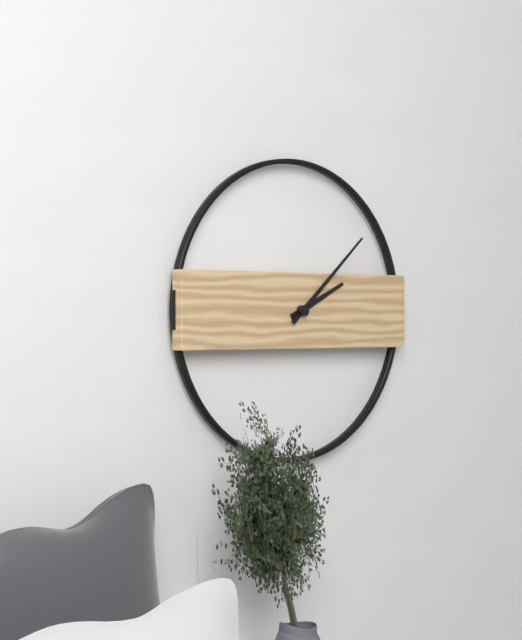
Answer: h=2 m=8
